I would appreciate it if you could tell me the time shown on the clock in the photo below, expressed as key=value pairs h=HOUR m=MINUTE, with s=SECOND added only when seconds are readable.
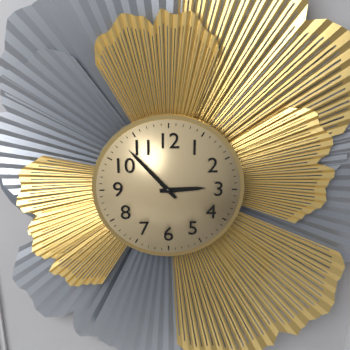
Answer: h=2 m=53
